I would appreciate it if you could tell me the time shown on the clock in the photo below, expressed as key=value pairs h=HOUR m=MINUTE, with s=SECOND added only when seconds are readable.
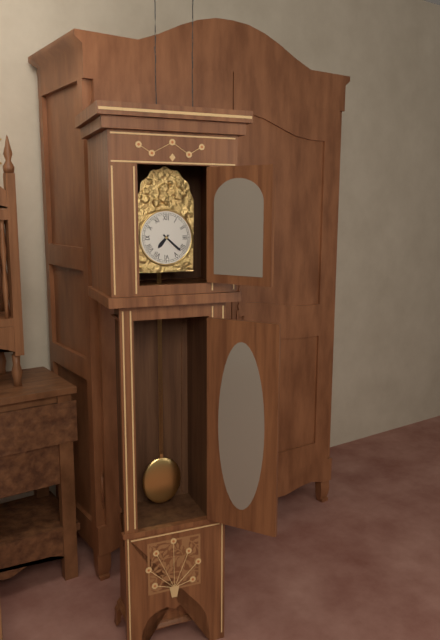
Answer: h=7 m=22
